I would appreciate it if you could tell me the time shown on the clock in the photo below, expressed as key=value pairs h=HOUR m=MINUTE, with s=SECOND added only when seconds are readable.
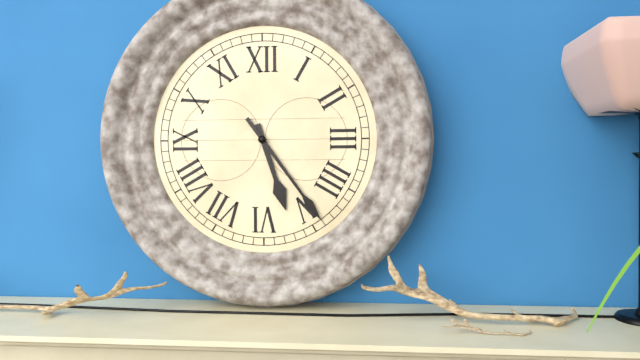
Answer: h=5 m=24
